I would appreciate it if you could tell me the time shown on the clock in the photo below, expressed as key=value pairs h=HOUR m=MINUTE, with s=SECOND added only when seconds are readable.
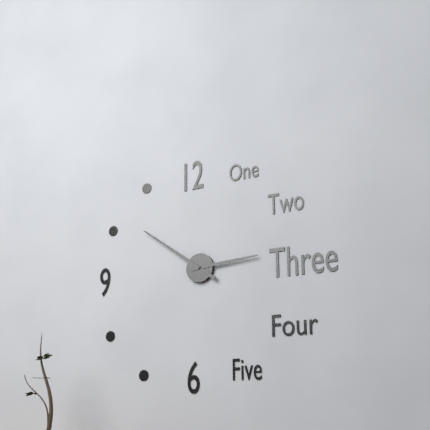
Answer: h=2 m=51
